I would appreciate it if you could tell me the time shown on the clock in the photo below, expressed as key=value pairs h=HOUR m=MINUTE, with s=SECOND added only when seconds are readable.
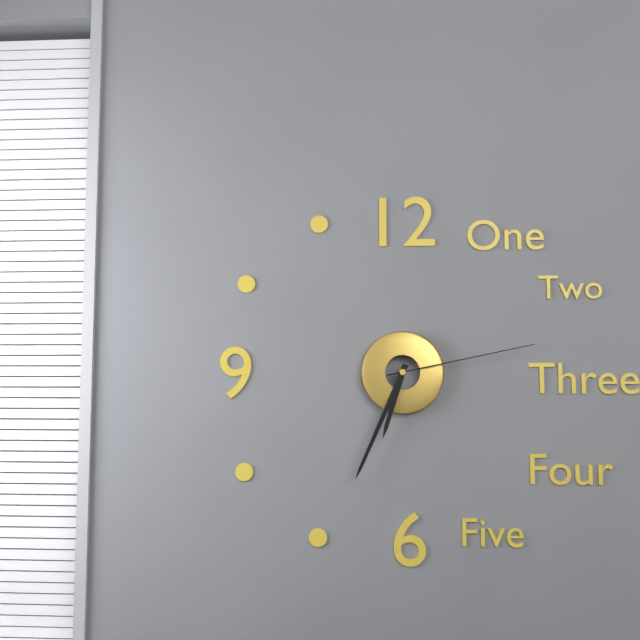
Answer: h=6 m=34 s=13
